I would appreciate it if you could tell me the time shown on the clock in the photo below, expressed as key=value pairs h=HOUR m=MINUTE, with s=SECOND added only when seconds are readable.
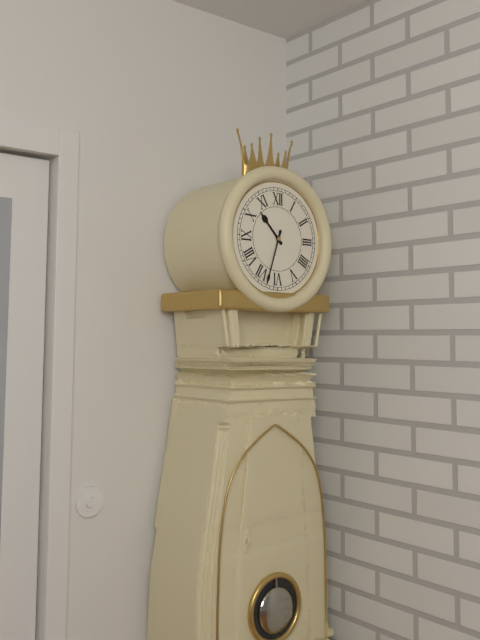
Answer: h=10 m=33
